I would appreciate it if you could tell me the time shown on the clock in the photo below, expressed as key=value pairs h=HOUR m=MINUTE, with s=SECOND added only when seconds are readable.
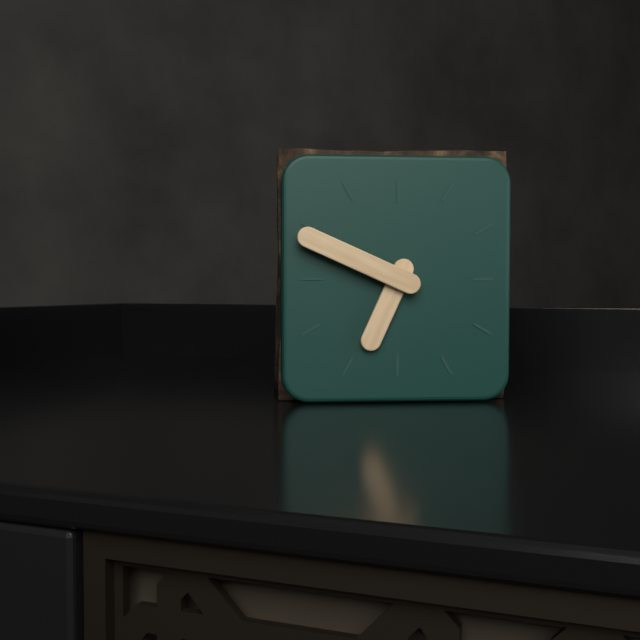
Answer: h=6 m=49
